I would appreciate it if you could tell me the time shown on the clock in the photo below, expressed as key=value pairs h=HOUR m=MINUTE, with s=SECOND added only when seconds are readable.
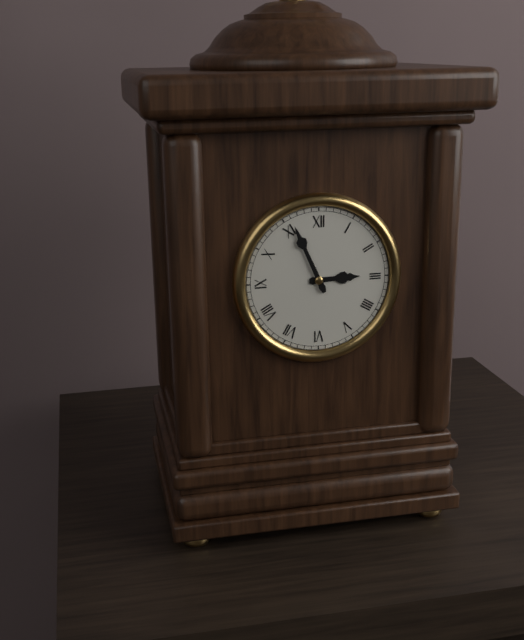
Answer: h=2 m=56
